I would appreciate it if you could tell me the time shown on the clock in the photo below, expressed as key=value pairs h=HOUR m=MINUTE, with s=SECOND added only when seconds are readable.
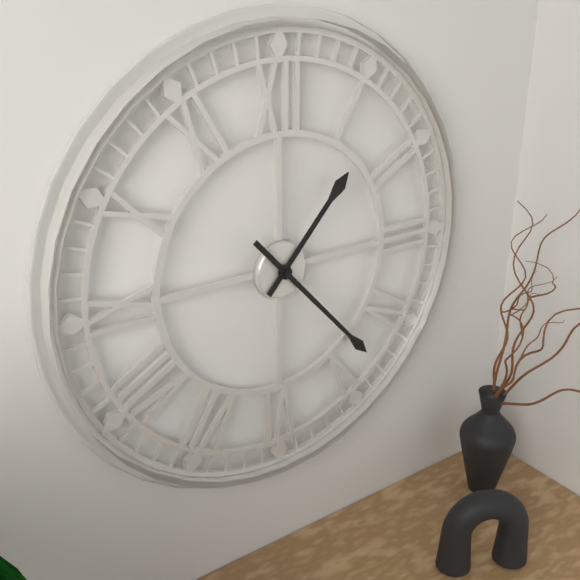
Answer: h=1 m=23
